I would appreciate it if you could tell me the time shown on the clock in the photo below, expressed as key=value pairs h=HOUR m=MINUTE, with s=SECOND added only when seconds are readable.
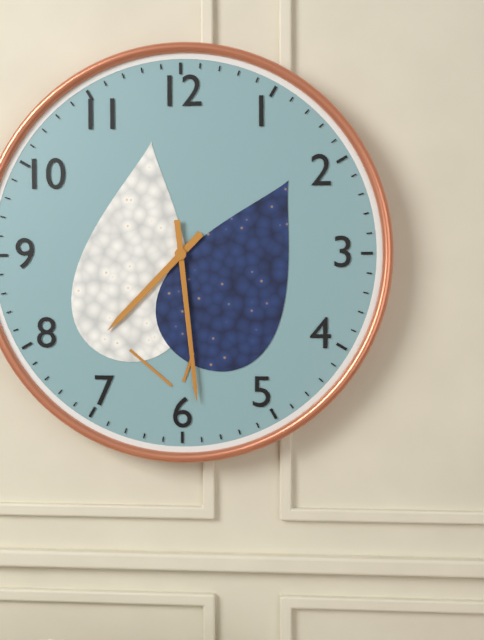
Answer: h=7 m=29
